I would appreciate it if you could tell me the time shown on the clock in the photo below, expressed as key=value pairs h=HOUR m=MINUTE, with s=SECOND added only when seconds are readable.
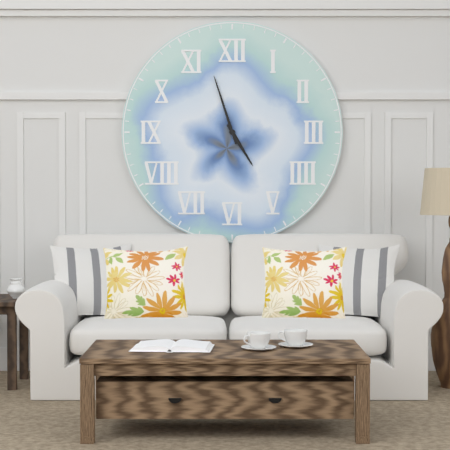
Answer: h=4 m=57
